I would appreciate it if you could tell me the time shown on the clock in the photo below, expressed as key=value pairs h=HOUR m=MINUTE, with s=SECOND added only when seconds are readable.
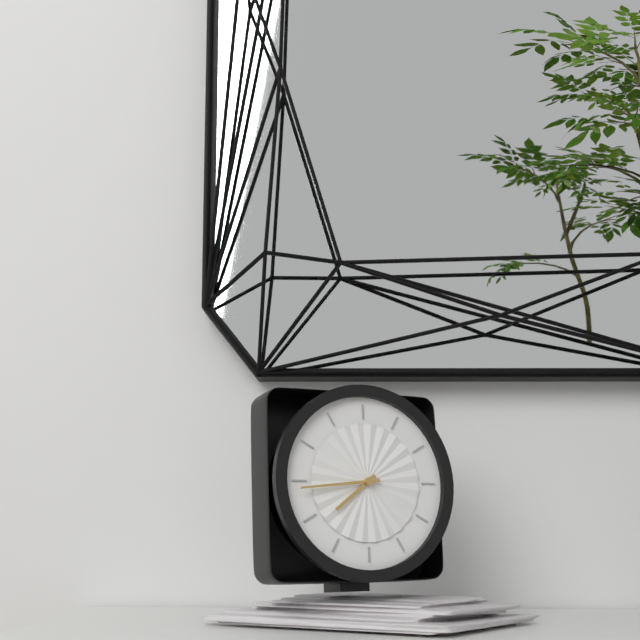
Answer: h=7 m=44
